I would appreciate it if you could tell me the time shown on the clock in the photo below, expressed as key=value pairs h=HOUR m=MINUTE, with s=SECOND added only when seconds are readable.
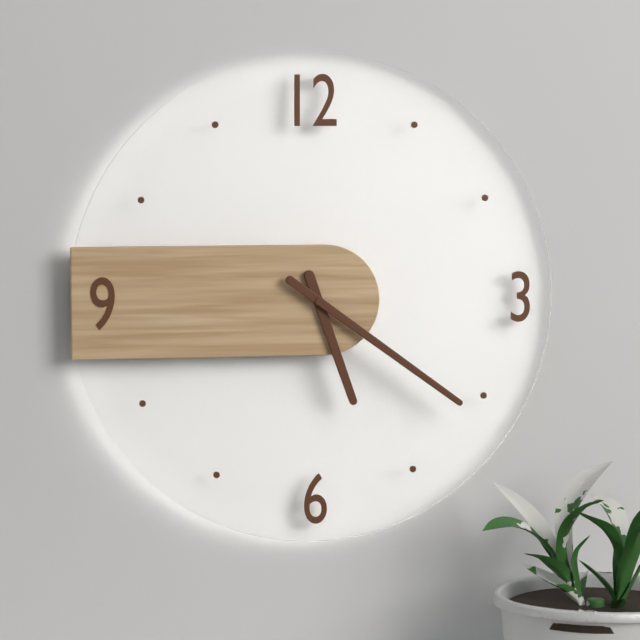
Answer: h=5 m=21
